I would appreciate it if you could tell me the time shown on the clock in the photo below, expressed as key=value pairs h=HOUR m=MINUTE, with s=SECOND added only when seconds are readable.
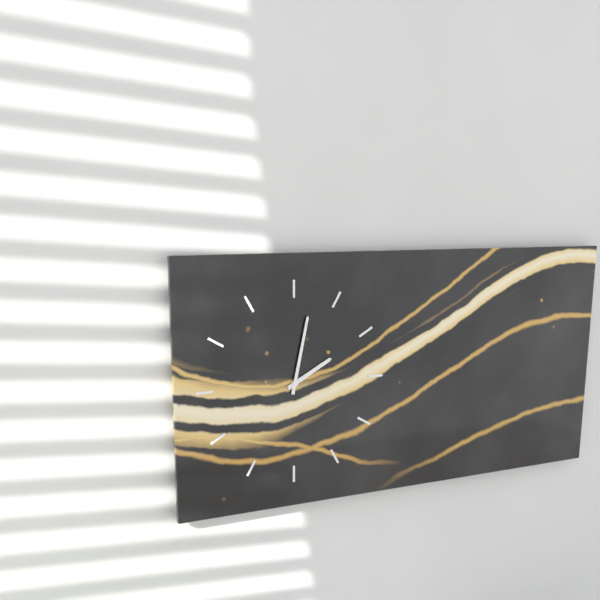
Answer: h=2 m=2
